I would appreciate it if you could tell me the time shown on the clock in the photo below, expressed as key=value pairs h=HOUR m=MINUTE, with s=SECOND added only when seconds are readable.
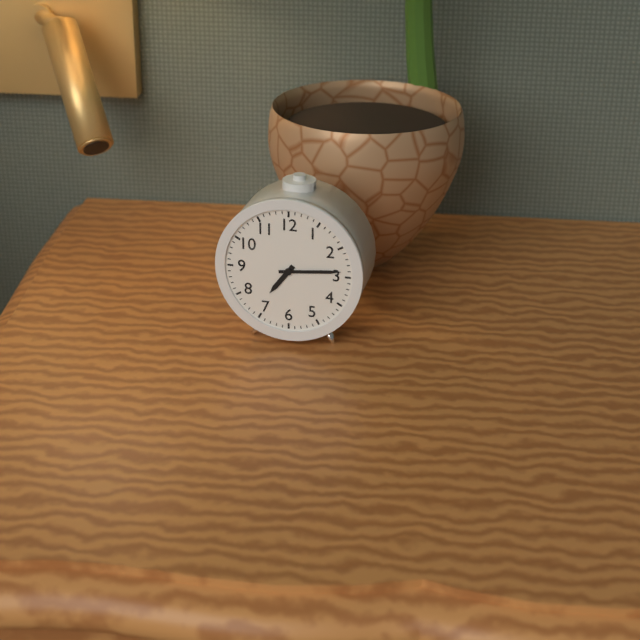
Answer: h=7 m=14
